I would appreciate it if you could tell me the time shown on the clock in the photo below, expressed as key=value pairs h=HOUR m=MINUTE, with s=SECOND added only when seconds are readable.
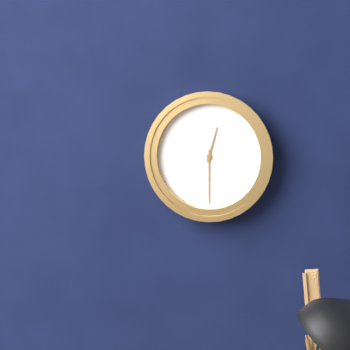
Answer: h=12 m=30
